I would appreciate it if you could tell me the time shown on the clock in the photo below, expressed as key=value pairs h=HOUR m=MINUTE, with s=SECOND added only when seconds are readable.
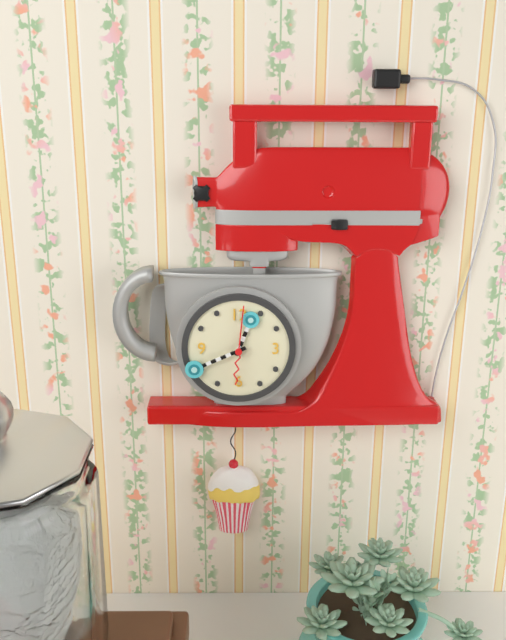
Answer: h=12 m=41
